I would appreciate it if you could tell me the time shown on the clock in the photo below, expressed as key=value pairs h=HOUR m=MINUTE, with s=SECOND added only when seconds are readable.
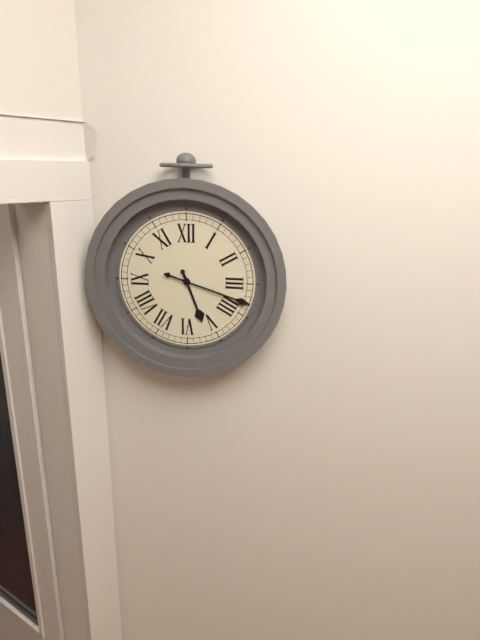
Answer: h=5 m=18
